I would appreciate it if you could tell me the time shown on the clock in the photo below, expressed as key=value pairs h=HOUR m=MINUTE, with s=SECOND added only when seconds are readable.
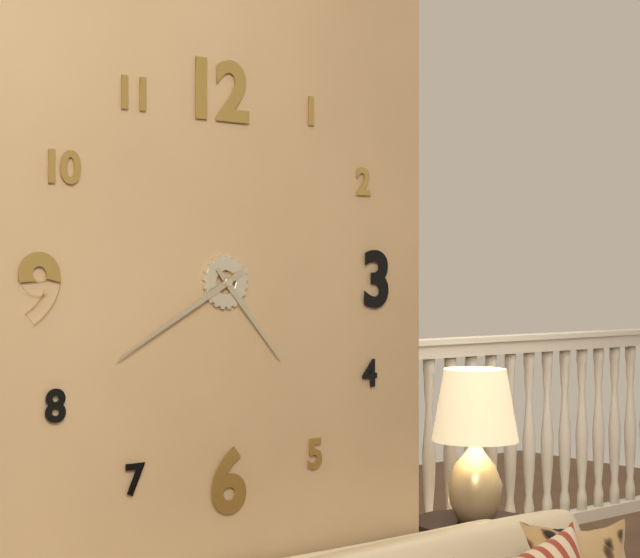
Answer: h=4 m=40
